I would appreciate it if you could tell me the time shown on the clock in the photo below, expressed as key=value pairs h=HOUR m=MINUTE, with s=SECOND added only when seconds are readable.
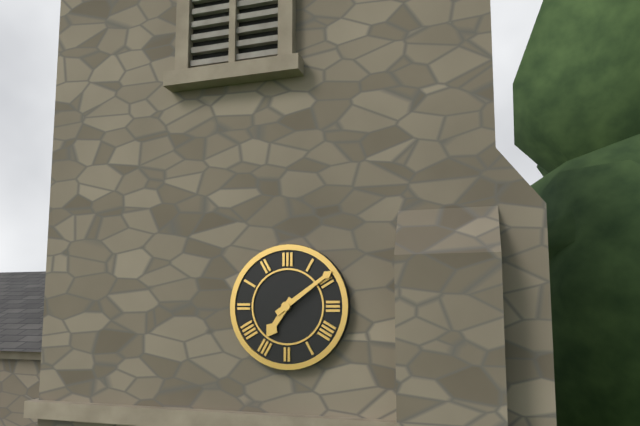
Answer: h=7 m=9
